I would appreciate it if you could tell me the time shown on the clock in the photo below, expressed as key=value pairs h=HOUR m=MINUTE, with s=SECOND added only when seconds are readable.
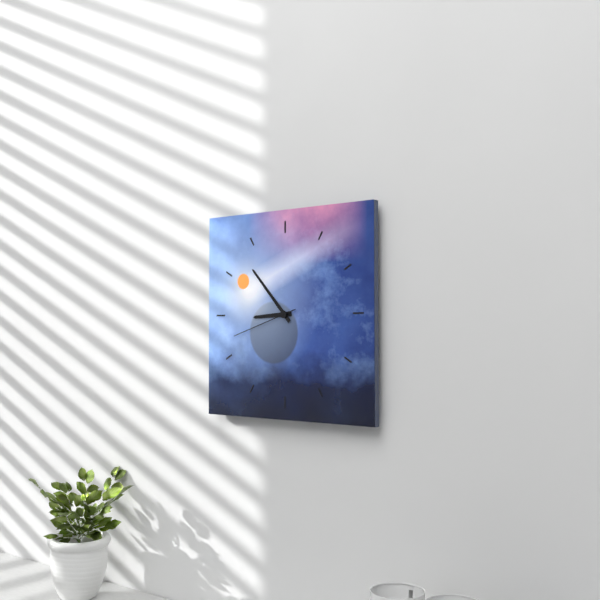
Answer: h=8 m=53 s=42
